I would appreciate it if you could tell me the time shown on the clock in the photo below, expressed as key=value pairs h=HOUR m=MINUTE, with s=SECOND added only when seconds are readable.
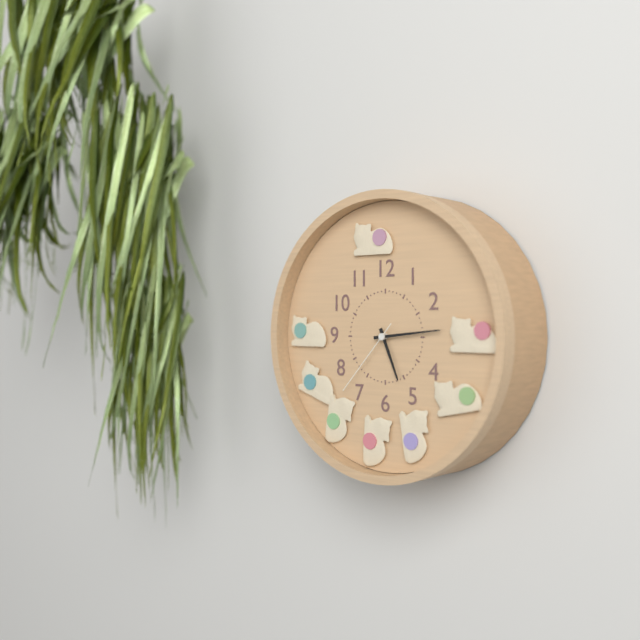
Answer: h=5 m=14 s=37
